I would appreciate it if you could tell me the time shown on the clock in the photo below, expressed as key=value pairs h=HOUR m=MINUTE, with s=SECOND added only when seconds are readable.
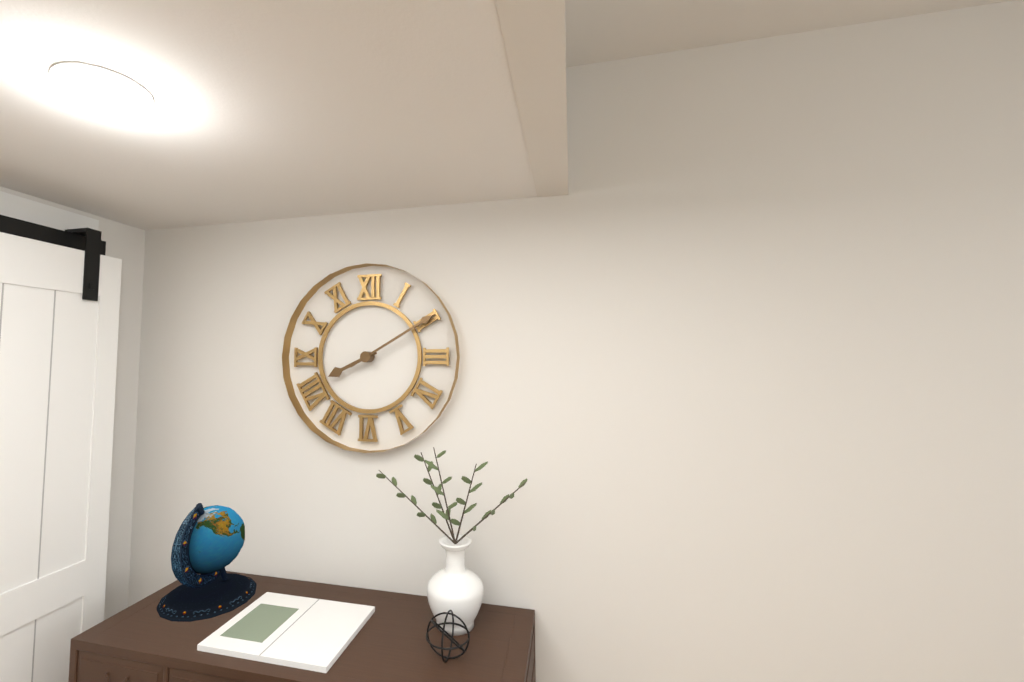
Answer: h=8 m=10
